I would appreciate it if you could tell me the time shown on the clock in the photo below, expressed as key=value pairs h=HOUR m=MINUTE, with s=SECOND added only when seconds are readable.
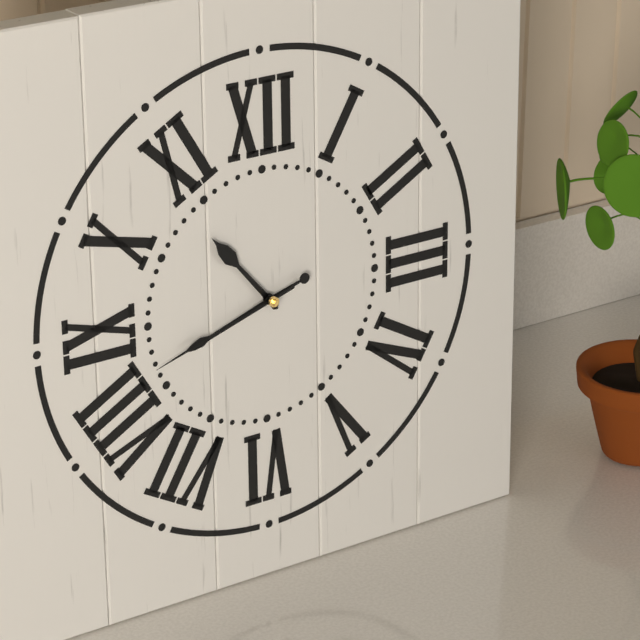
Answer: h=10 m=42 s=42
